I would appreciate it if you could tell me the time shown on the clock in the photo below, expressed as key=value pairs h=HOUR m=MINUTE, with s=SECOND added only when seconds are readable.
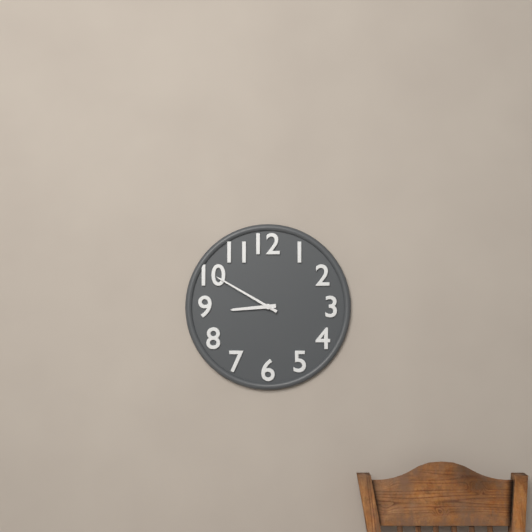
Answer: h=8 m=50
